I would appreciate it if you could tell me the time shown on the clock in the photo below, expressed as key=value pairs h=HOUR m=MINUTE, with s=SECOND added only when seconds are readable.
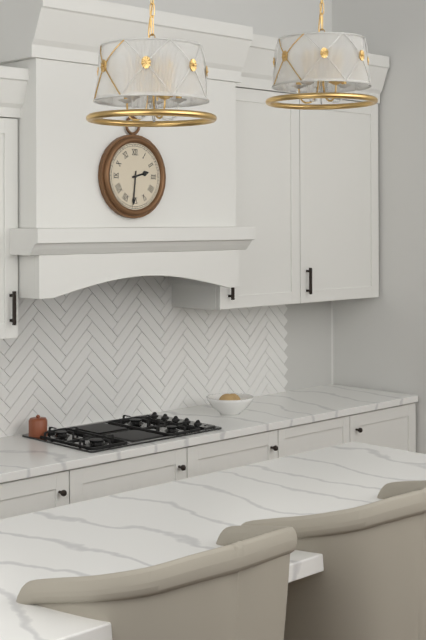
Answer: h=2 m=31
